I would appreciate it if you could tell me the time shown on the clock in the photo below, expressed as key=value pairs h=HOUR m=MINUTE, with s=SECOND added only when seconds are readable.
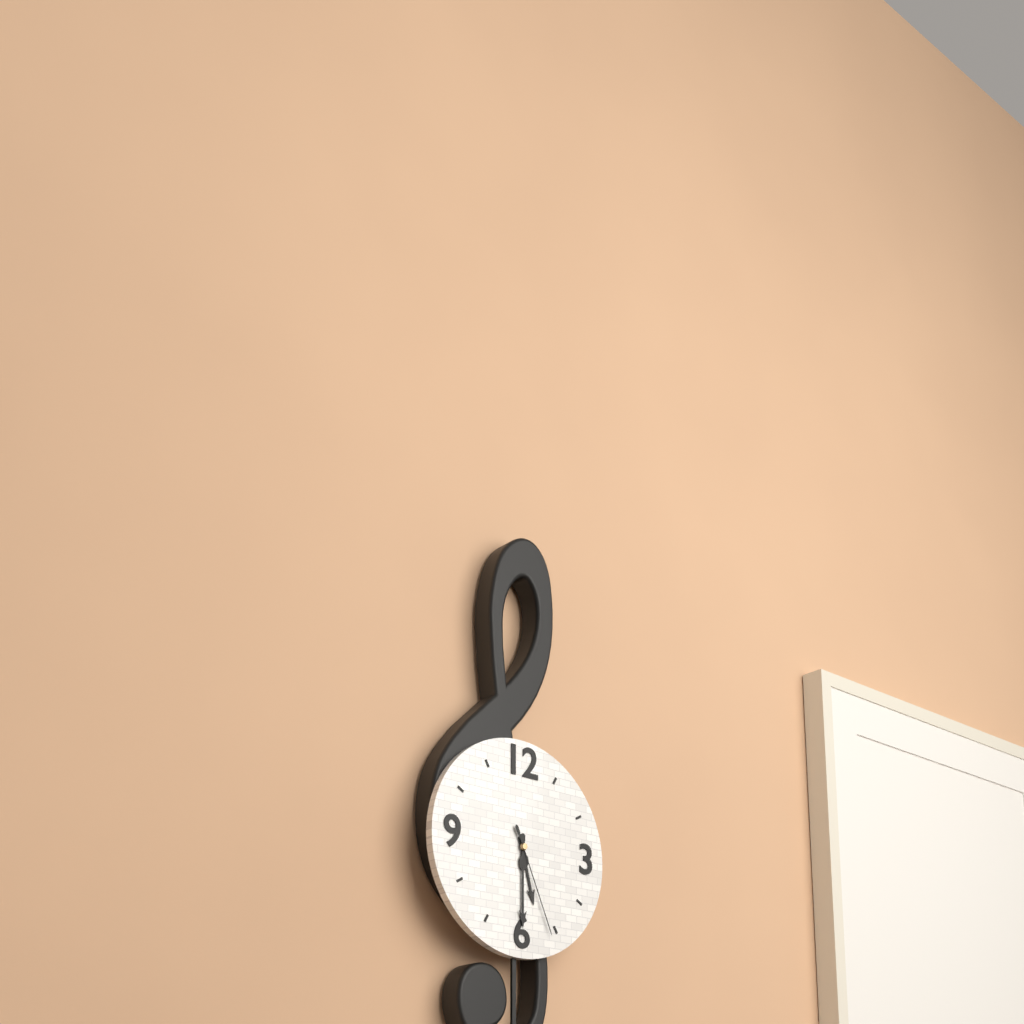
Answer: h=5 m=30 s=26
